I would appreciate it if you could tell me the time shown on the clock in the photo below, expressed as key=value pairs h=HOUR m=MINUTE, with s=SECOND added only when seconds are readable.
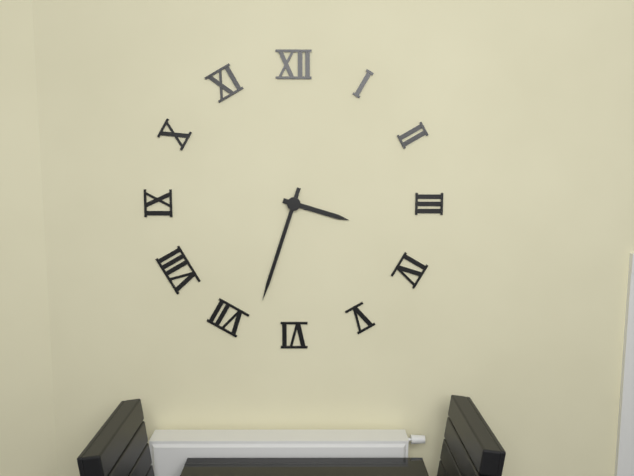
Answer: h=3 m=33
